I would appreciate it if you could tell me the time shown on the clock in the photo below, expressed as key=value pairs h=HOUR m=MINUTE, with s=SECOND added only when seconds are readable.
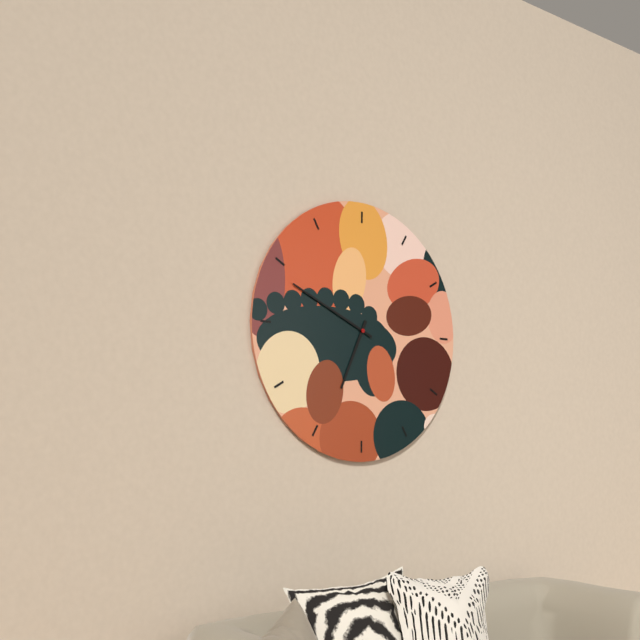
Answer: h=6 m=49
